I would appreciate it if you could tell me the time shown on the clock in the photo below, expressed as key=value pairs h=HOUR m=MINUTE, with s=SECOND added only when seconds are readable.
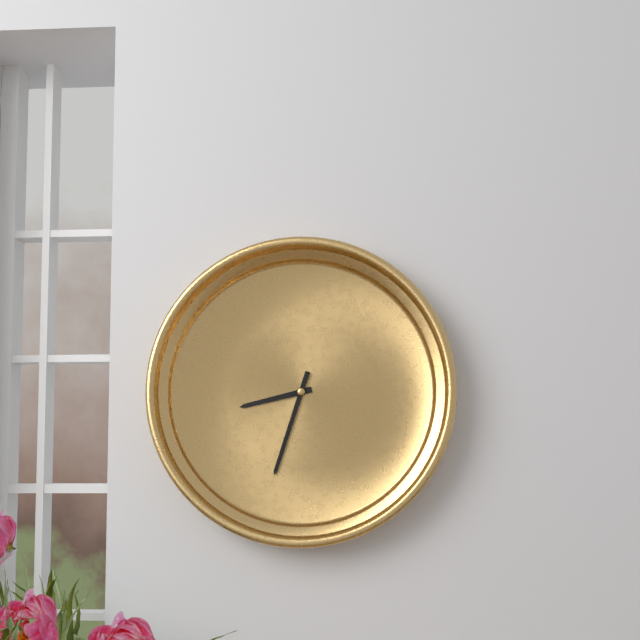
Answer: h=8 m=33
